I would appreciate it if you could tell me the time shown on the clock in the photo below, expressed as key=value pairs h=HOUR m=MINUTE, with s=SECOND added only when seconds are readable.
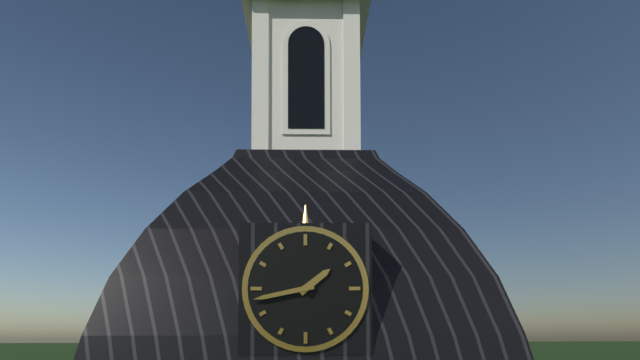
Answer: h=1 m=43
